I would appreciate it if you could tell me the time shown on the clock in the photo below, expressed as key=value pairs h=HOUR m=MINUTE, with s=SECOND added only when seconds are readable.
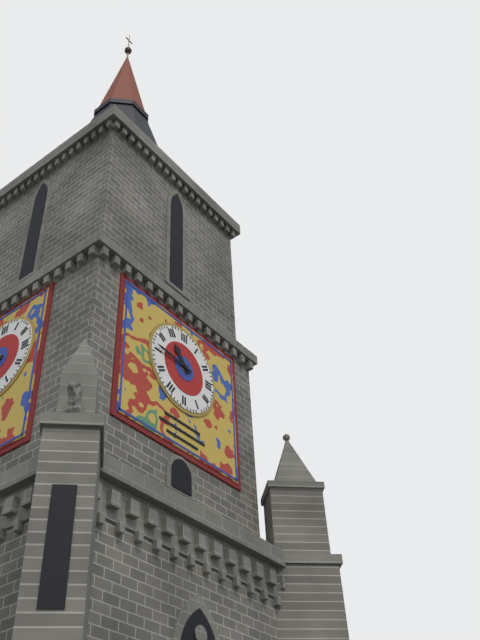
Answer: h=10 m=46
